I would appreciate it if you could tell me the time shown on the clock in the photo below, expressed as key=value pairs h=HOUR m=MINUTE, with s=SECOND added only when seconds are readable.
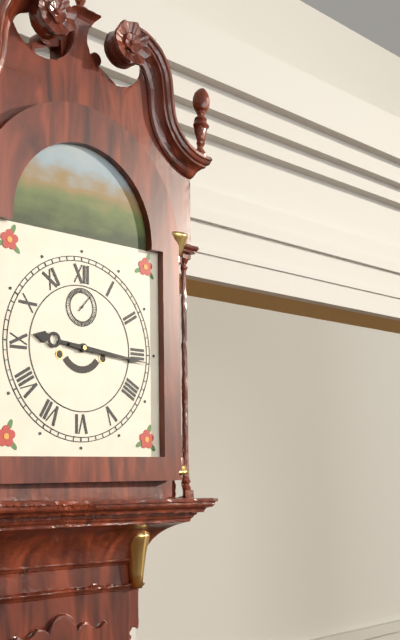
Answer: h=9 m=16
